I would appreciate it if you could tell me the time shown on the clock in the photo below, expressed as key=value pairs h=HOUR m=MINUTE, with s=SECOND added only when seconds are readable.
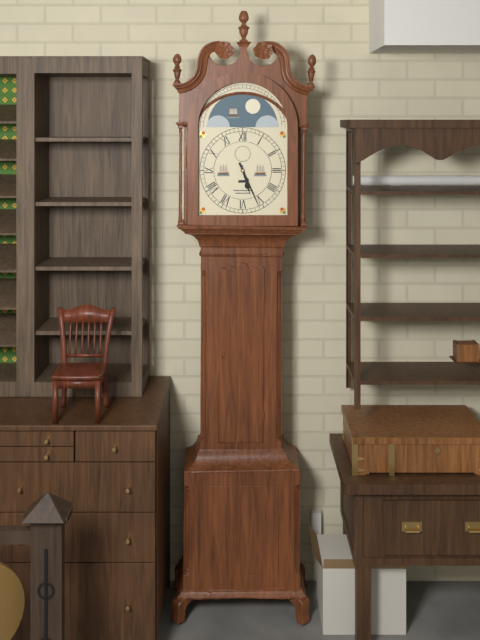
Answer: h=5 m=26
